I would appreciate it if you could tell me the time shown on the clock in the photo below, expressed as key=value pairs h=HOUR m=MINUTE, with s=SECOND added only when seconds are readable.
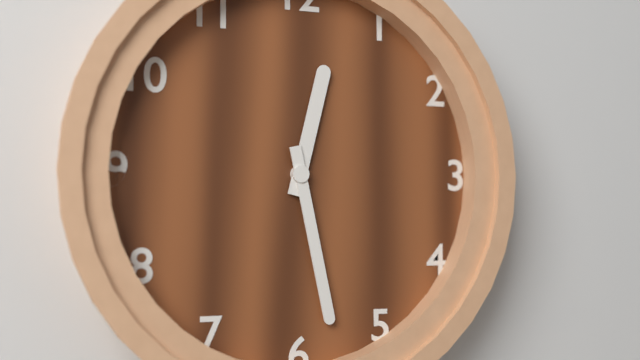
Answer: h=12 m=28
